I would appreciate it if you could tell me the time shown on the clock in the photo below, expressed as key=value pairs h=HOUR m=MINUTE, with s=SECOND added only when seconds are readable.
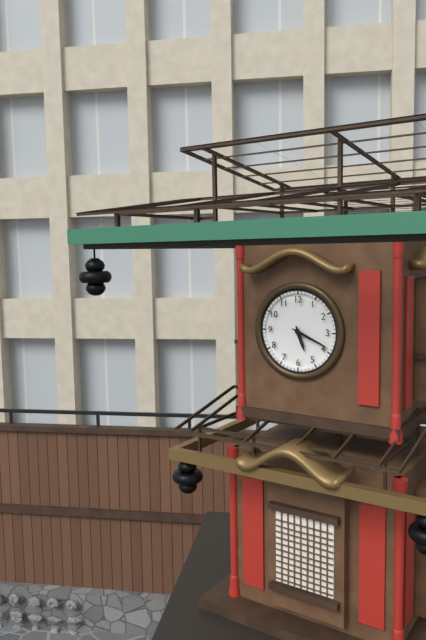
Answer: h=5 m=19
